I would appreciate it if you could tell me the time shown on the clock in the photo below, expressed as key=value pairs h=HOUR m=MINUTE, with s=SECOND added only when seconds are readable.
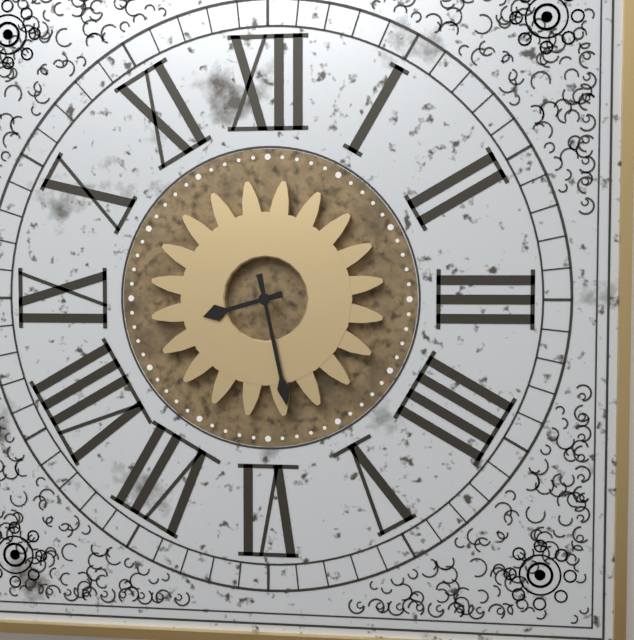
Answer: h=8 m=28
